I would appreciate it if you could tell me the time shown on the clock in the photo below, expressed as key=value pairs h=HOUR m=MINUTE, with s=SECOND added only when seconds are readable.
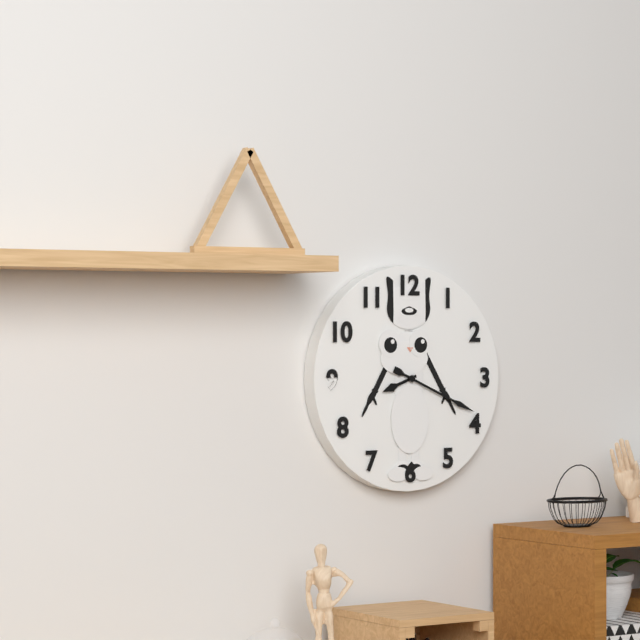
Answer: h=8 m=19
